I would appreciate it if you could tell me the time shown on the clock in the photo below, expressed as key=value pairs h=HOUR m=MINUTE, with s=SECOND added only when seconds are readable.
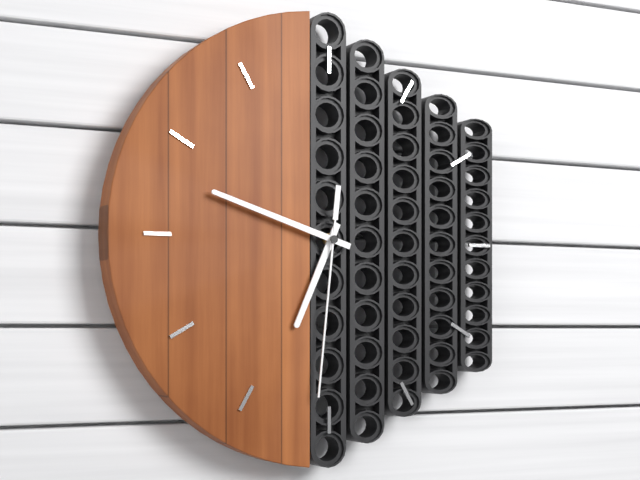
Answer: h=6 m=48 s=31
